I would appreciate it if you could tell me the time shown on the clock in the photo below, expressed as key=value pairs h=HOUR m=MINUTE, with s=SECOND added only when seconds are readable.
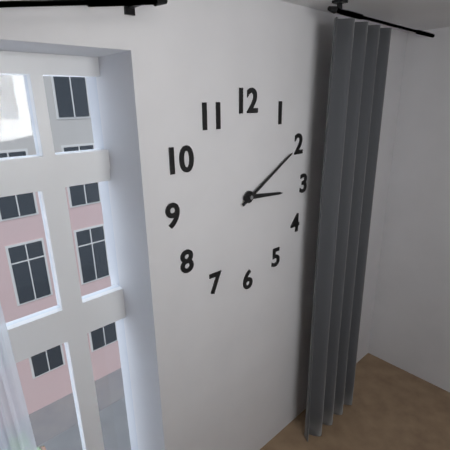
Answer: h=3 m=10
